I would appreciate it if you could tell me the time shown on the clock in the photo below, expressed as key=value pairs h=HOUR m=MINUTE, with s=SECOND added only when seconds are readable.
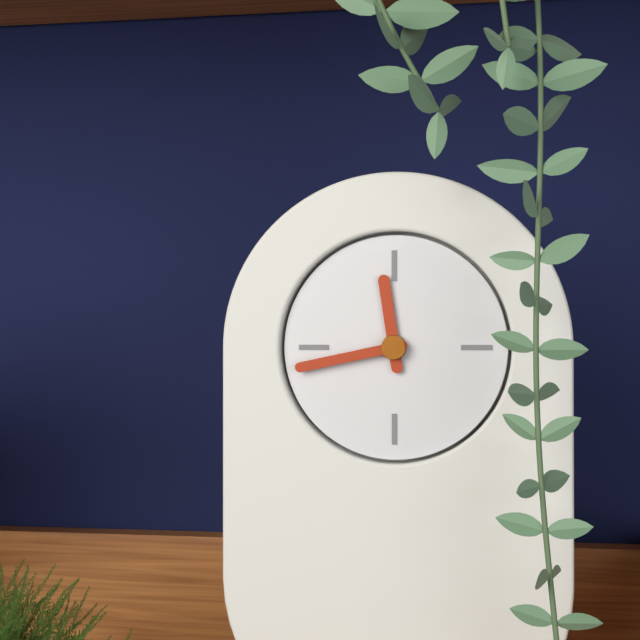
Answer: h=11 m=43
